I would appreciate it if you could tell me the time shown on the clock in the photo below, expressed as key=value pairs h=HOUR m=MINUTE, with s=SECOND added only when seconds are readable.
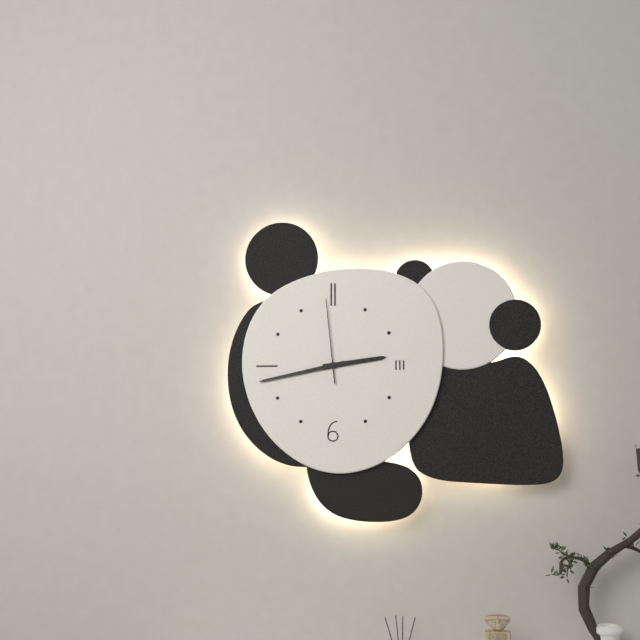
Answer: h=2 m=43 s=59
